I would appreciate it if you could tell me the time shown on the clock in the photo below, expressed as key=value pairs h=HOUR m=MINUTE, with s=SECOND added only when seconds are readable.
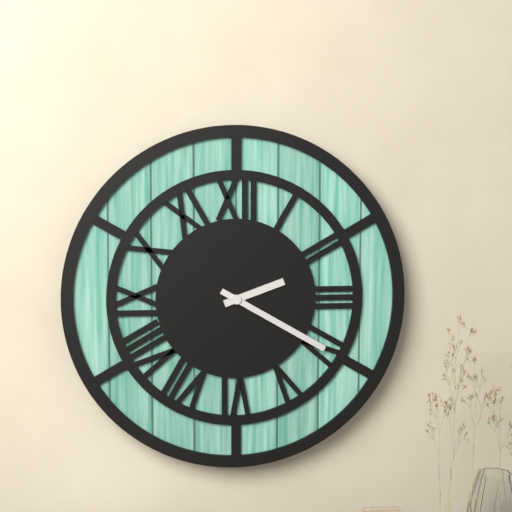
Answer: h=2 m=20
